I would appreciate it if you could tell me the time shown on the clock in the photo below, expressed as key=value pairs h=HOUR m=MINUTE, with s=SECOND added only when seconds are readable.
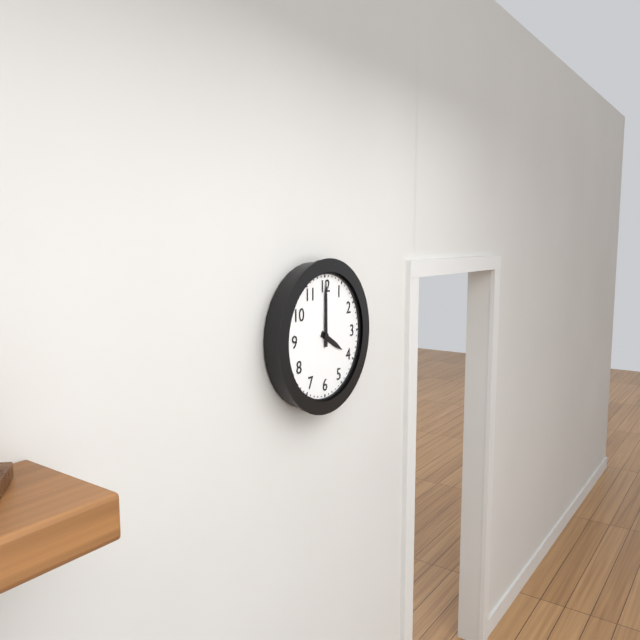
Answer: h=4 m=0
